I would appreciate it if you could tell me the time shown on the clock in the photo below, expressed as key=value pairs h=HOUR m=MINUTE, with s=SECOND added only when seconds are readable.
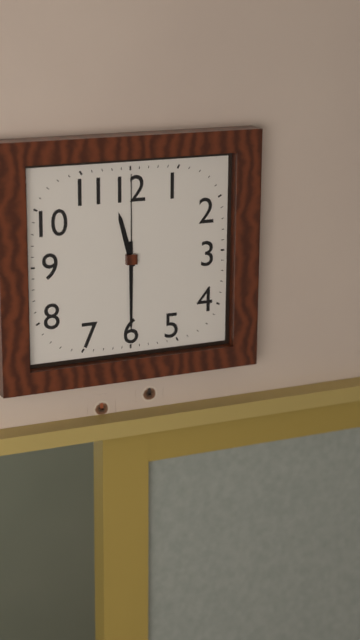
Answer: h=11 m=30 s=0
